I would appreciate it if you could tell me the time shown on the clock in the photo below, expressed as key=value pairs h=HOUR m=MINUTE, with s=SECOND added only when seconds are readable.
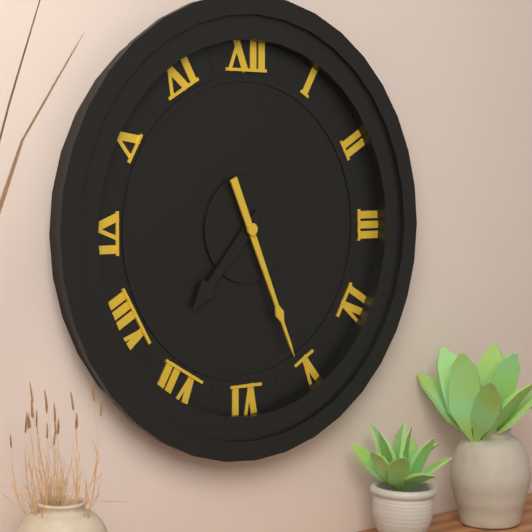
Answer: h=7 m=26
